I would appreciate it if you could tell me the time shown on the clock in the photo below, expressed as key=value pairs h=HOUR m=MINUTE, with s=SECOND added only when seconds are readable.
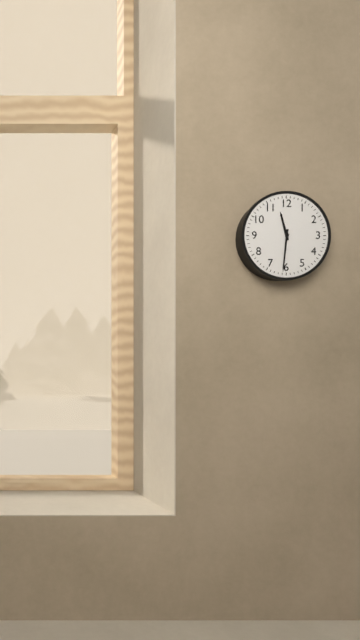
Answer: h=11 m=31
